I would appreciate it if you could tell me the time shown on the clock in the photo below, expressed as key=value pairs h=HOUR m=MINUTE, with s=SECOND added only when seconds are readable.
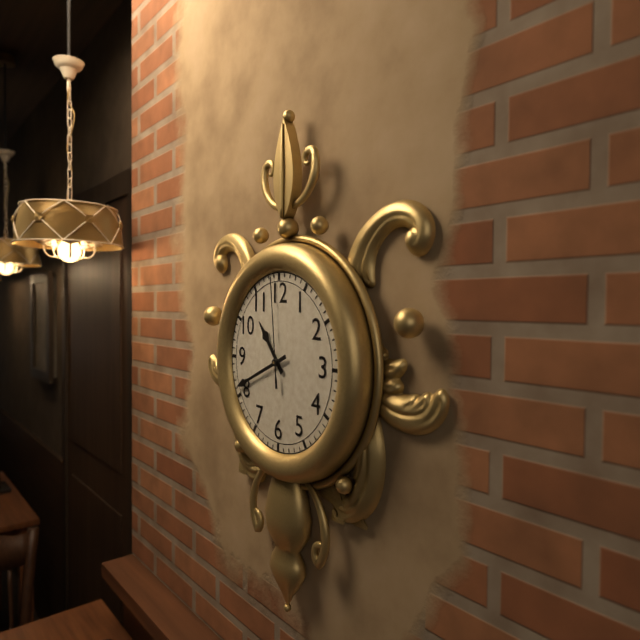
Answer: h=10 m=41 s=59
